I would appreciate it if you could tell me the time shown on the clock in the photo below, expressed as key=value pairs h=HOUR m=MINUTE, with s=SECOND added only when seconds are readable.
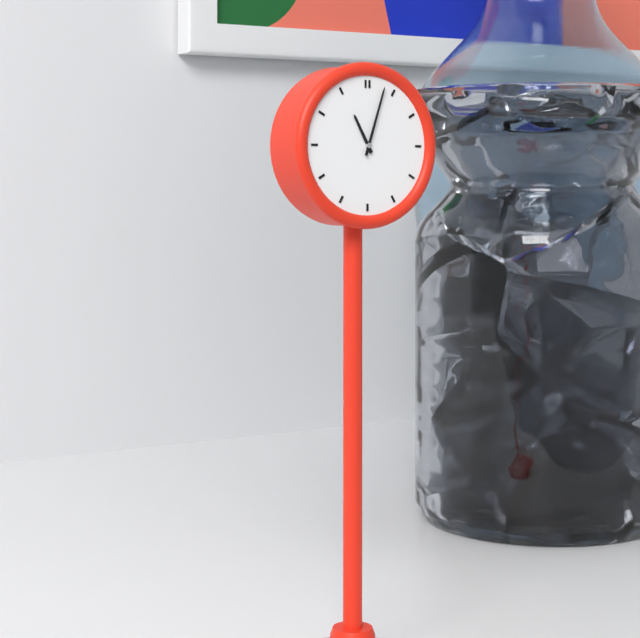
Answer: h=11 m=3
